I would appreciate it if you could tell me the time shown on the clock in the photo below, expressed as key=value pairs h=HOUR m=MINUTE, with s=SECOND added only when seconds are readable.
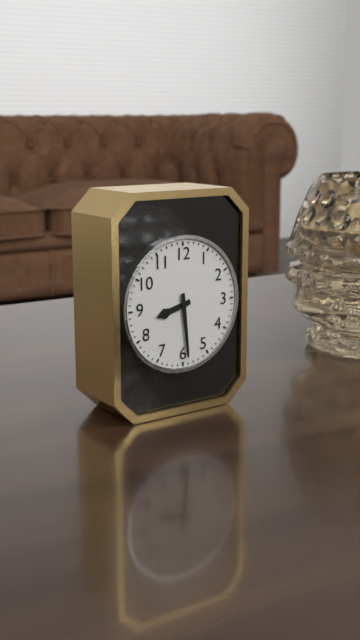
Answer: h=8 m=29
